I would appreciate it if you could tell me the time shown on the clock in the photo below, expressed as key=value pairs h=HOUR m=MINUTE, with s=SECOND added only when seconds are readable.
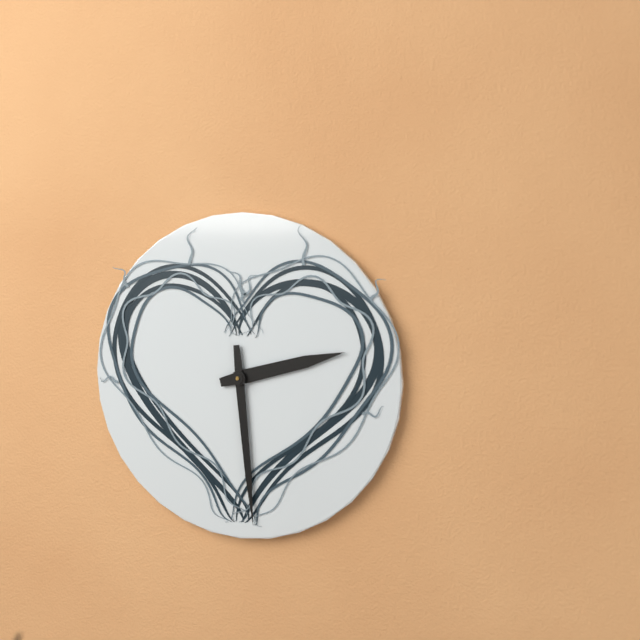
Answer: h=2 m=29
